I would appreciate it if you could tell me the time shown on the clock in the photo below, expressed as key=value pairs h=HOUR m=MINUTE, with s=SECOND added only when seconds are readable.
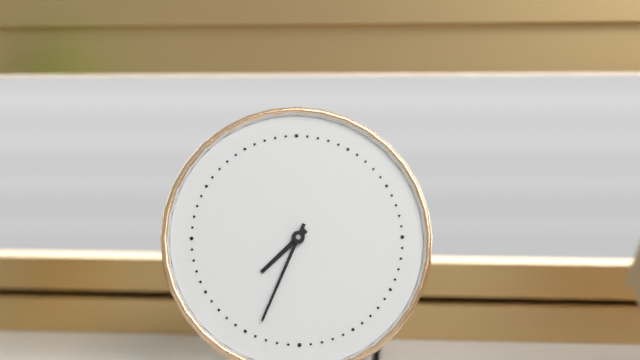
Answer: h=7 m=34
